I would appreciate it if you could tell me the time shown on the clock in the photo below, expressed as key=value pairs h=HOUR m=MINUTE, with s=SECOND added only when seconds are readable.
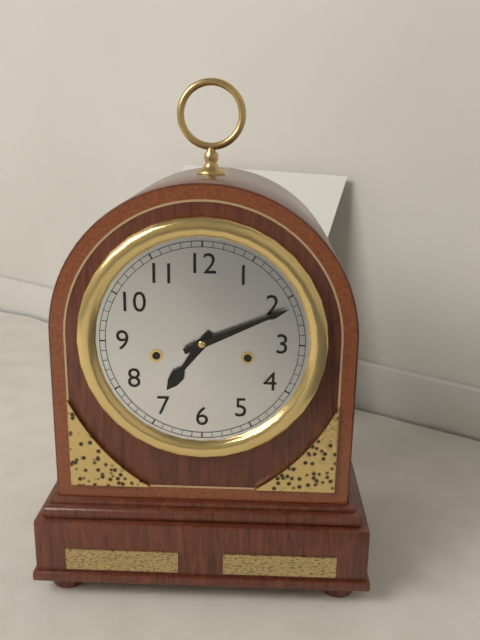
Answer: h=7 m=11
